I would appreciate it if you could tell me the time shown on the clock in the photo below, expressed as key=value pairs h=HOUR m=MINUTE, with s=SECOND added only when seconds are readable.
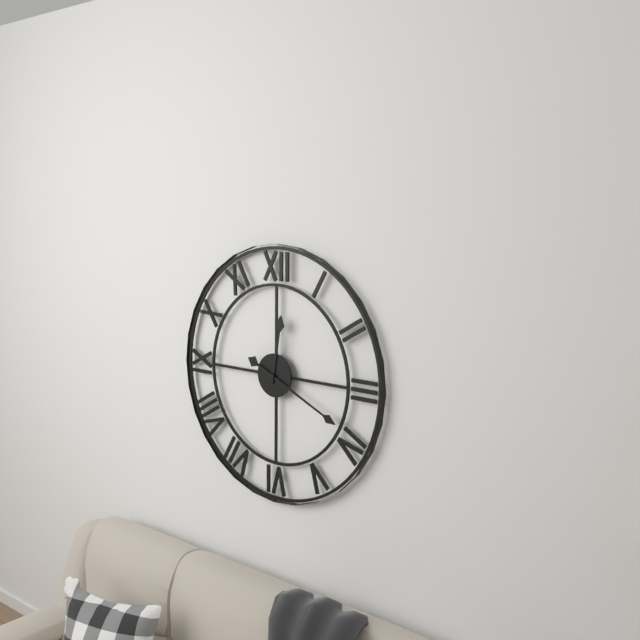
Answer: h=12 m=19
